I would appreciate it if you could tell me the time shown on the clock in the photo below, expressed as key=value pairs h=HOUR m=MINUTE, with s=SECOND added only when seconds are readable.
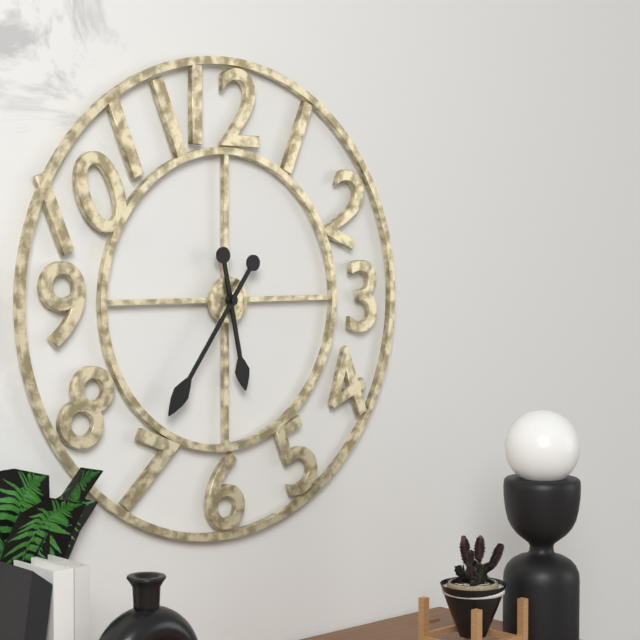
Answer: h=5 m=36
